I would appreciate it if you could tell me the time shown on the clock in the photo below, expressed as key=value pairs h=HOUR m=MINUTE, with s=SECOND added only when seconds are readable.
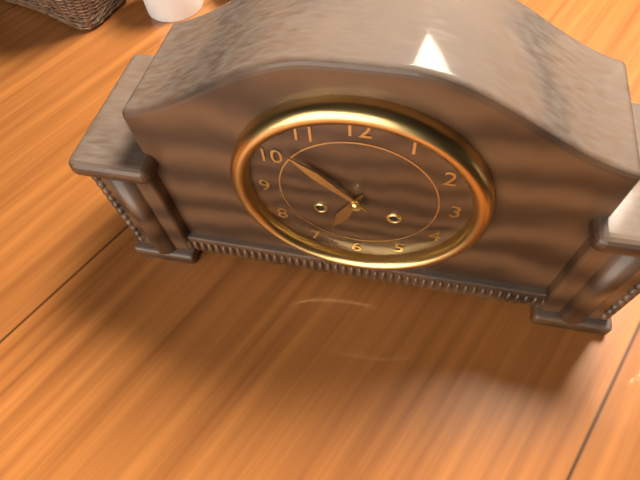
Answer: h=6 m=52
